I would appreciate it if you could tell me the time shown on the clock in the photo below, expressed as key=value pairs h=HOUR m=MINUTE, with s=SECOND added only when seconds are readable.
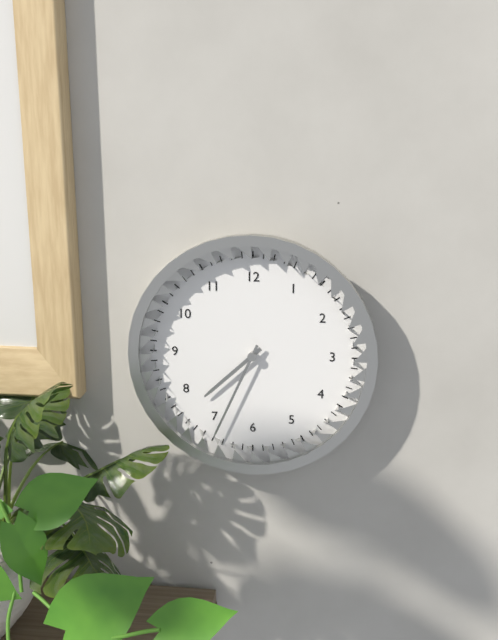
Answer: h=7 m=34
